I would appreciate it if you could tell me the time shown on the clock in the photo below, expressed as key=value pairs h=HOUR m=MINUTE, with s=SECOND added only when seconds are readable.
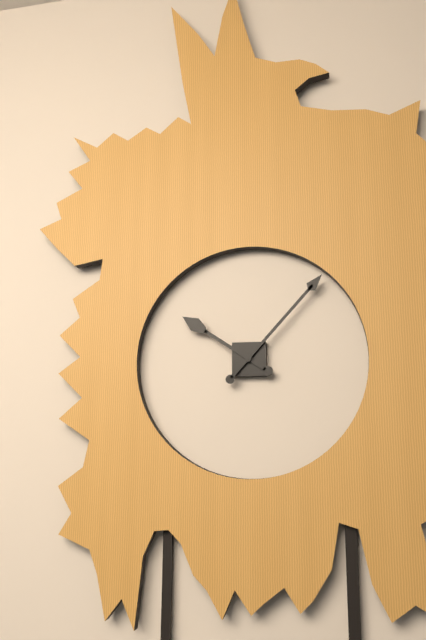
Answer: h=10 m=7
